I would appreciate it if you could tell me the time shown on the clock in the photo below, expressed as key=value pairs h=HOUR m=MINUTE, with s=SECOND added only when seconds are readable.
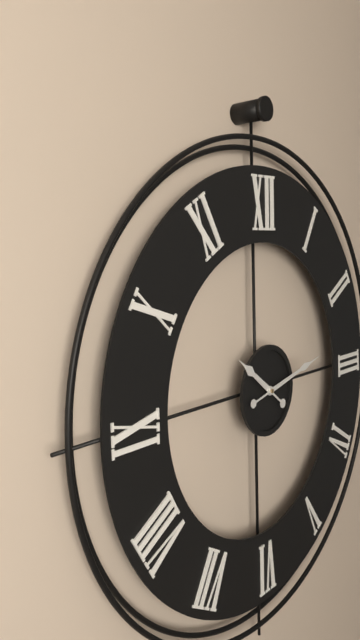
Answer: h=10 m=13
